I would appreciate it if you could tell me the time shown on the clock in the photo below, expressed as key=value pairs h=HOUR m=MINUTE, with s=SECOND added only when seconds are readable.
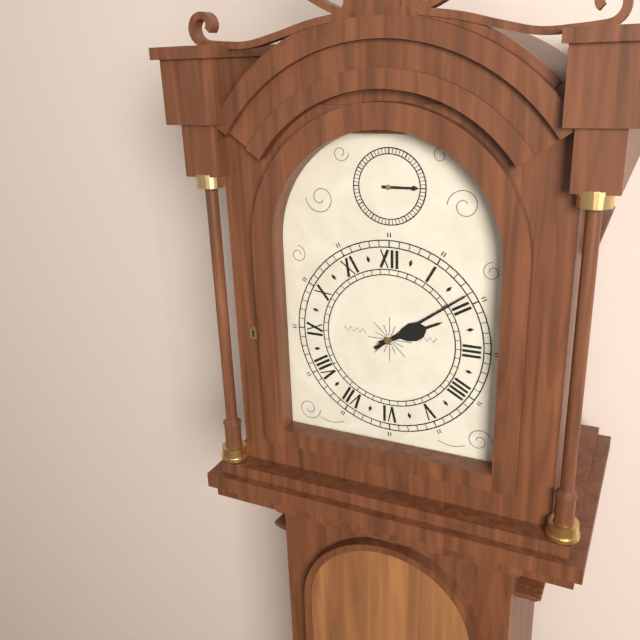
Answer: h=2 m=9
